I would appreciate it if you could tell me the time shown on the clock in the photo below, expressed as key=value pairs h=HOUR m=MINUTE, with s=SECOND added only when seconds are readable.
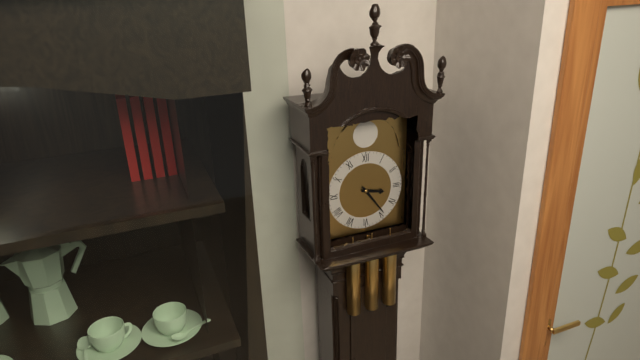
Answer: h=3 m=24
